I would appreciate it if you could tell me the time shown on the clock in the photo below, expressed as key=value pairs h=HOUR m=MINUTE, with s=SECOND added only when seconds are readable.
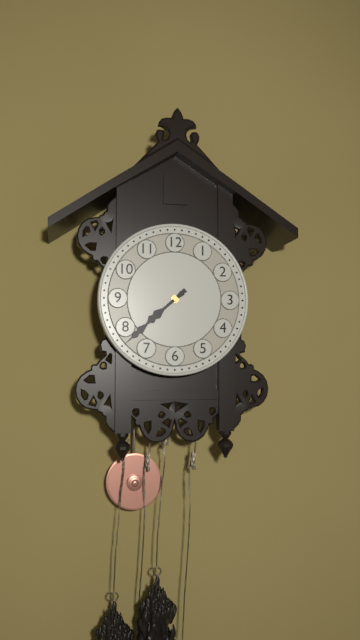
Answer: h=7 m=38
